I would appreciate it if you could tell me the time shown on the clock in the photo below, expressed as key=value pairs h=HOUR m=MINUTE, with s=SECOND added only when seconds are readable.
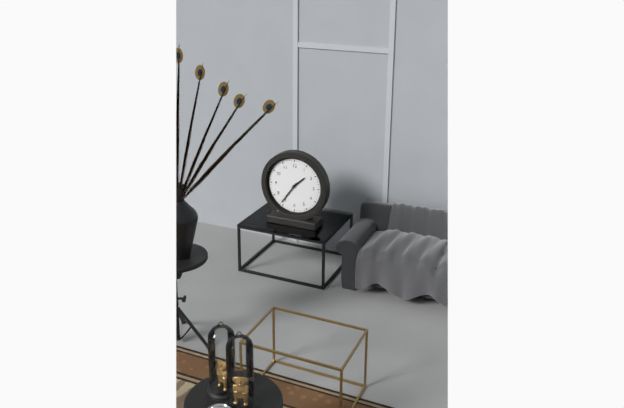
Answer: h=1 m=36
